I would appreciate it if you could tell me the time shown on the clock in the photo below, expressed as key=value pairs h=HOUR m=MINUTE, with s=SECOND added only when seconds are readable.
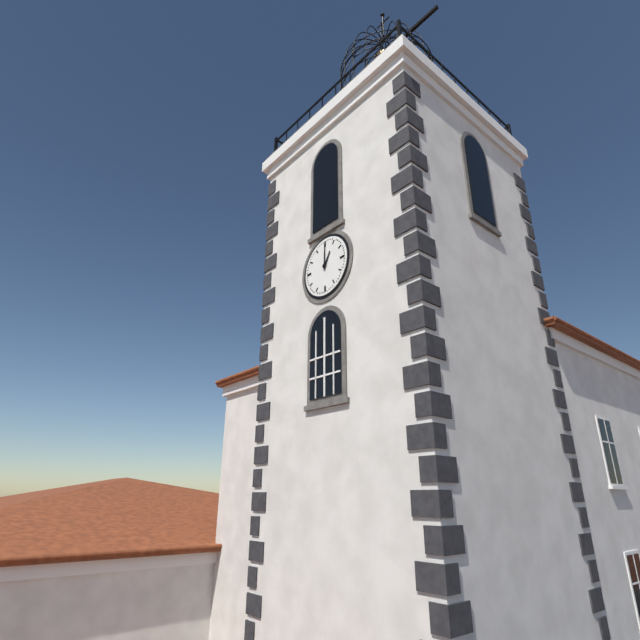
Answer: h=1 m=0
